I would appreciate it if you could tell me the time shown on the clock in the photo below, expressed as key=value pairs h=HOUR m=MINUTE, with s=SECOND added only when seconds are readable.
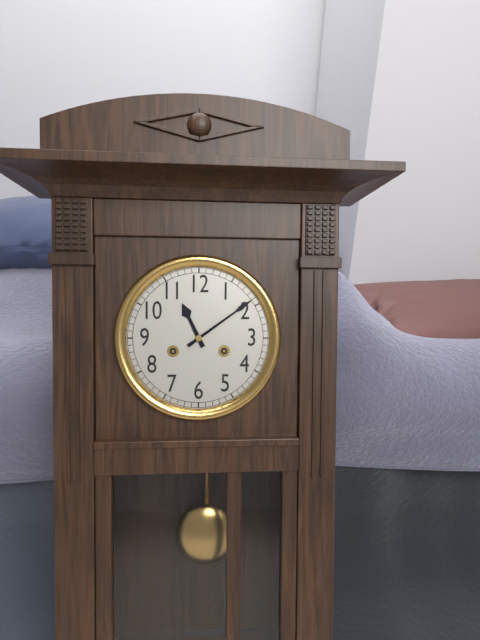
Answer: h=11 m=9
